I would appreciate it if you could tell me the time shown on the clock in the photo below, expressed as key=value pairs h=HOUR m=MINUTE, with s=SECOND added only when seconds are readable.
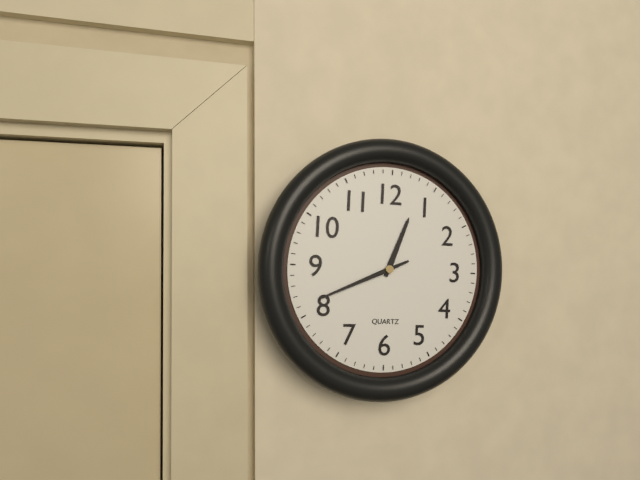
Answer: h=12 m=41
